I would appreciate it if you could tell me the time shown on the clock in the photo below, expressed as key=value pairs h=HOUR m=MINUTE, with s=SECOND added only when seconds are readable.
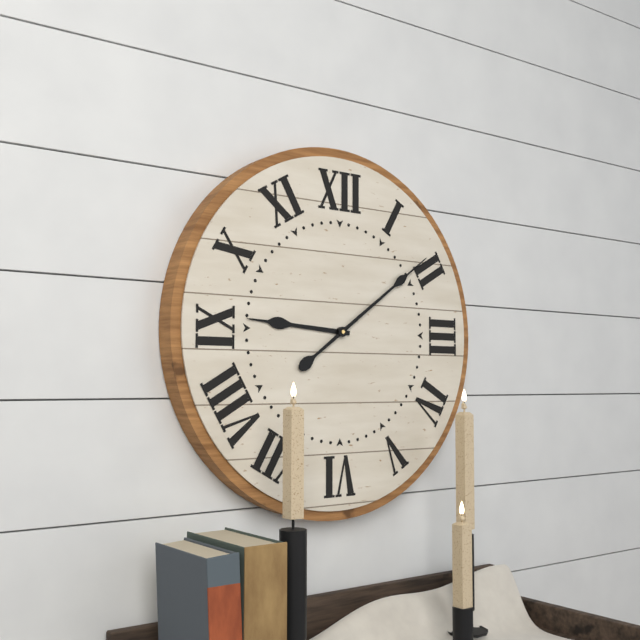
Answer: h=9 m=9
